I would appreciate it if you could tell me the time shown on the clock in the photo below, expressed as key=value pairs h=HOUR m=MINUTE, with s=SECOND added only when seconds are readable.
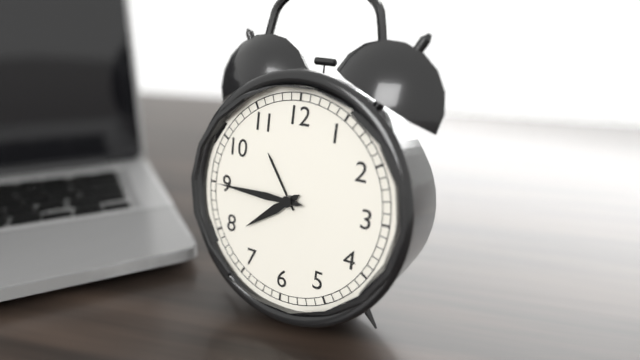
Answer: h=7 m=45
